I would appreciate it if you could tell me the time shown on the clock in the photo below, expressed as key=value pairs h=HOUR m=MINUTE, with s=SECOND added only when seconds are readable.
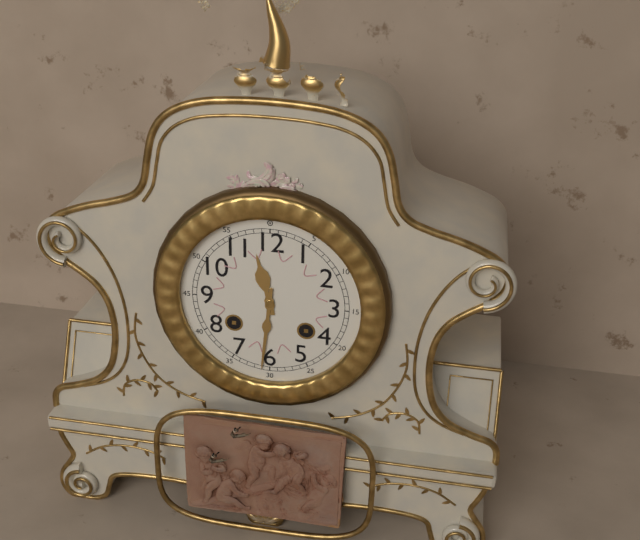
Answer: h=11 m=31
